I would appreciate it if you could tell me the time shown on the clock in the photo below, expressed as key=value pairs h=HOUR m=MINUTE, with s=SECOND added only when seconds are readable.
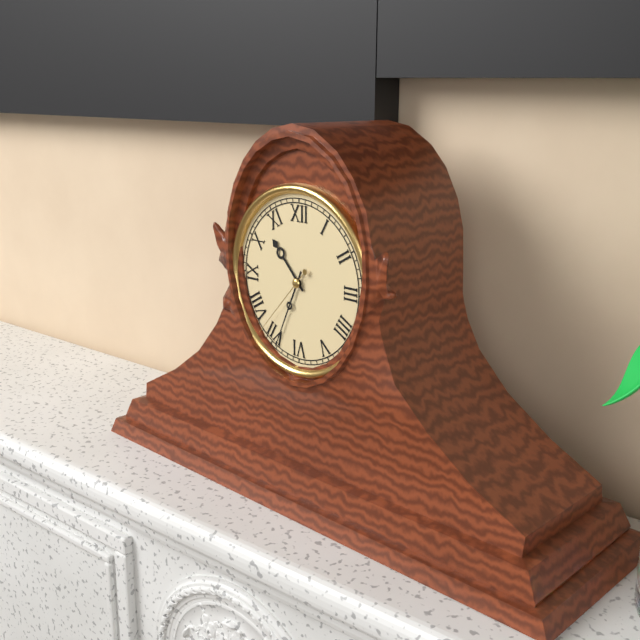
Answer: h=10 m=34 s=37
